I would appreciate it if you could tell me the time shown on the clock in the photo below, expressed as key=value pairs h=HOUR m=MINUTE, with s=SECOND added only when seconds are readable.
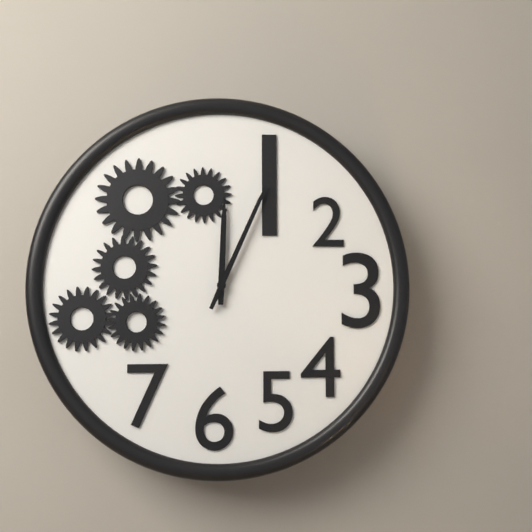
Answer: h=12 m=4
